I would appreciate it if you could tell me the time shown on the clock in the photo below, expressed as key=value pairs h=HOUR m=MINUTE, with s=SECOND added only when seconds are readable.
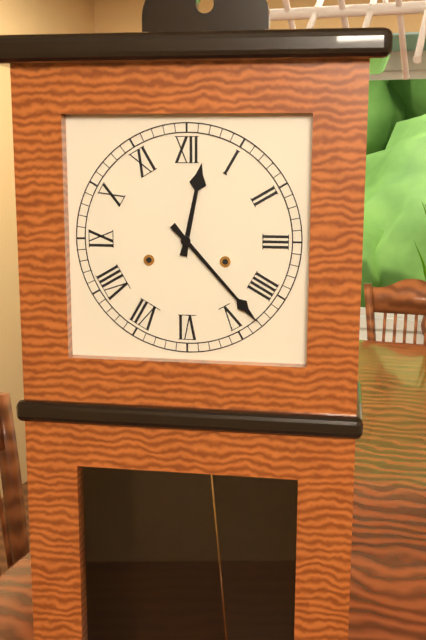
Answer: h=12 m=23
